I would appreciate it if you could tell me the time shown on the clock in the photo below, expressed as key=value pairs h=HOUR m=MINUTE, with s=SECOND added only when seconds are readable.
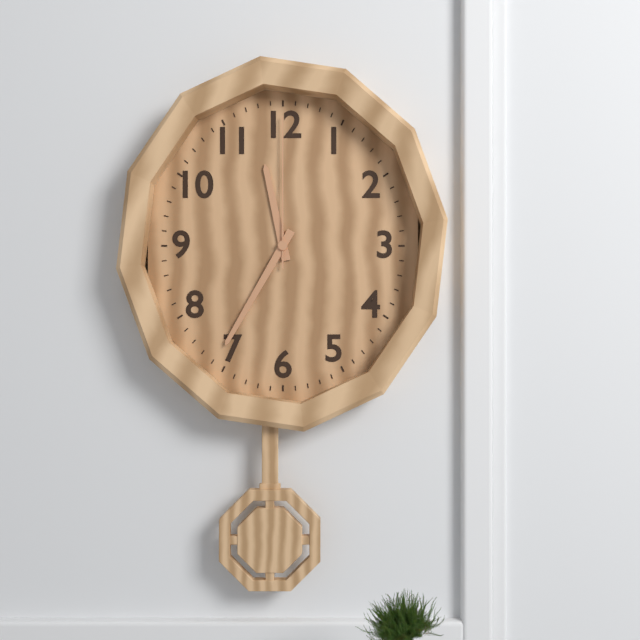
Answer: h=11 m=35 s=0
